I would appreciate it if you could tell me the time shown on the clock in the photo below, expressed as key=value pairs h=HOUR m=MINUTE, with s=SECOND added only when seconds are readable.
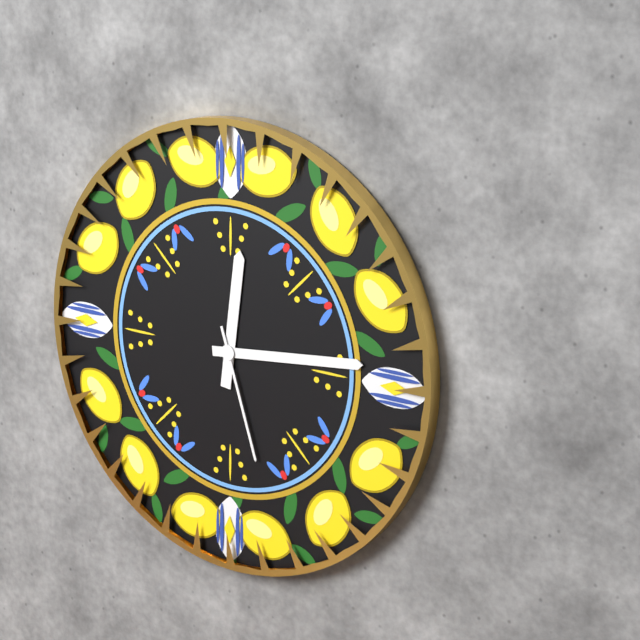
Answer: h=12 m=14 s=27
